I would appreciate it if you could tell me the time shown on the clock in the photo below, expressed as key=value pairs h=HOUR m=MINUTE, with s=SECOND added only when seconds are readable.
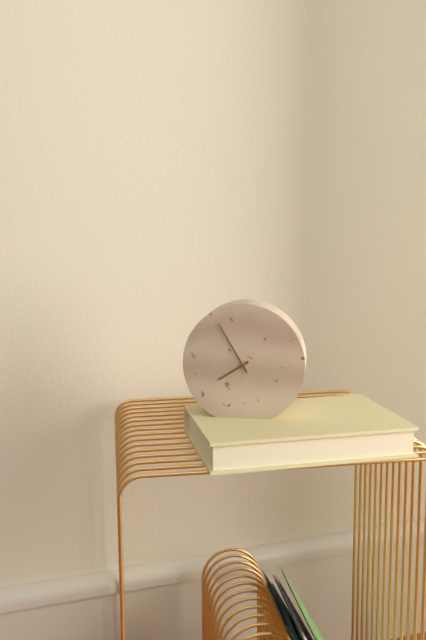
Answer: h=7 m=55
